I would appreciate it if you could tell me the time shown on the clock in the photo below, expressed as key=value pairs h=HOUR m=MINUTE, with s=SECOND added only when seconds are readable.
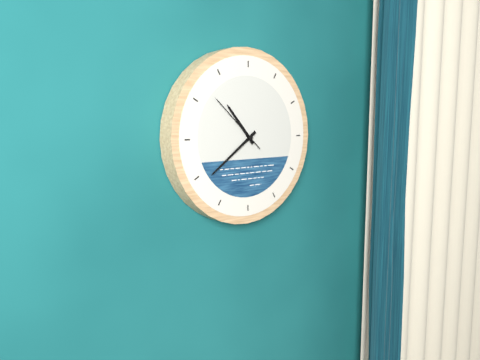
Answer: h=10 m=39 s=52
